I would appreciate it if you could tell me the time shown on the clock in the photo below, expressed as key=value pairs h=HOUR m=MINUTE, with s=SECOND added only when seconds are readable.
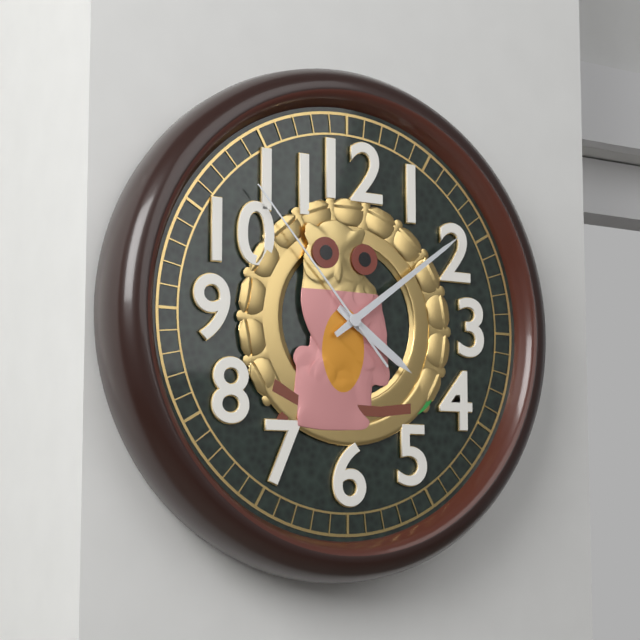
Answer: h=4 m=9 s=53
